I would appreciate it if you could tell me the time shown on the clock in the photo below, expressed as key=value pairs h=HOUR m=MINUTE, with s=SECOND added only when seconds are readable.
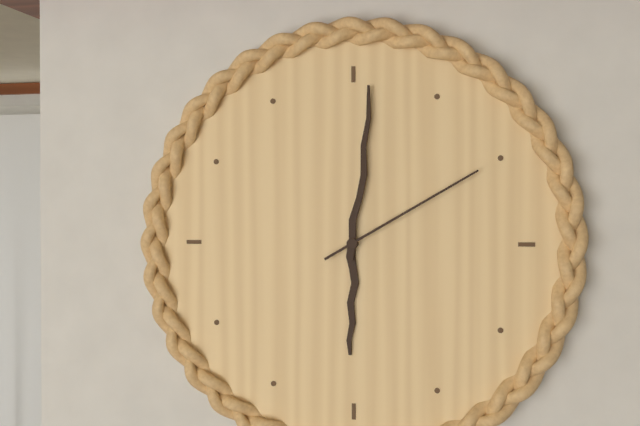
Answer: h=6 m=1 s=10
